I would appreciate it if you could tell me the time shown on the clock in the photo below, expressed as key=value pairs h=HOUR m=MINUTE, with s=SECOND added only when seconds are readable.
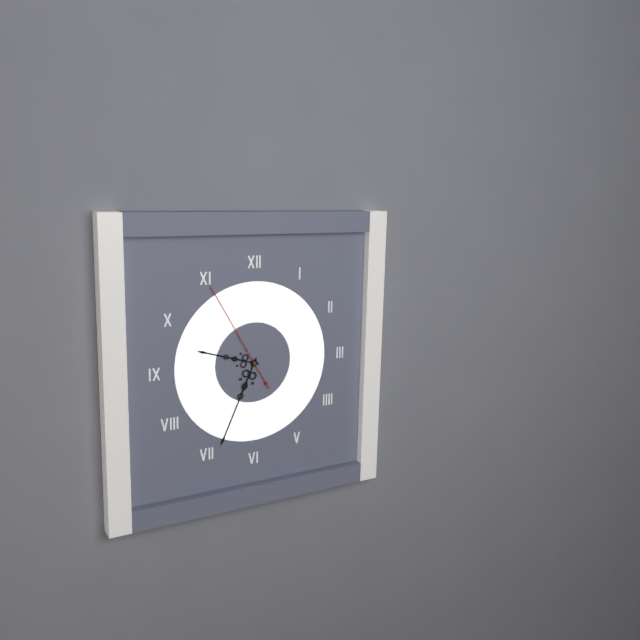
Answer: h=9 m=34 s=55
